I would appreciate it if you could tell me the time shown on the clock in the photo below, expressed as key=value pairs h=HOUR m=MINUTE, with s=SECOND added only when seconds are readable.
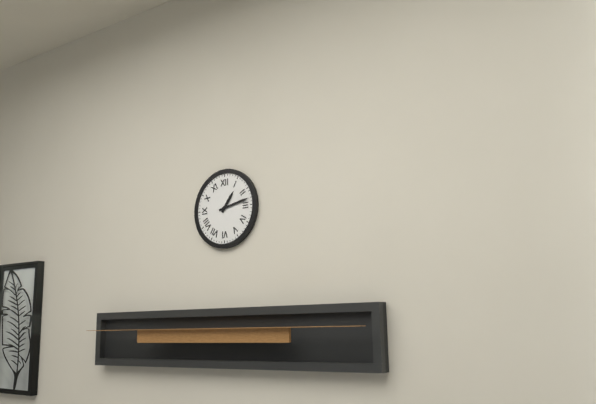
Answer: h=1 m=13
